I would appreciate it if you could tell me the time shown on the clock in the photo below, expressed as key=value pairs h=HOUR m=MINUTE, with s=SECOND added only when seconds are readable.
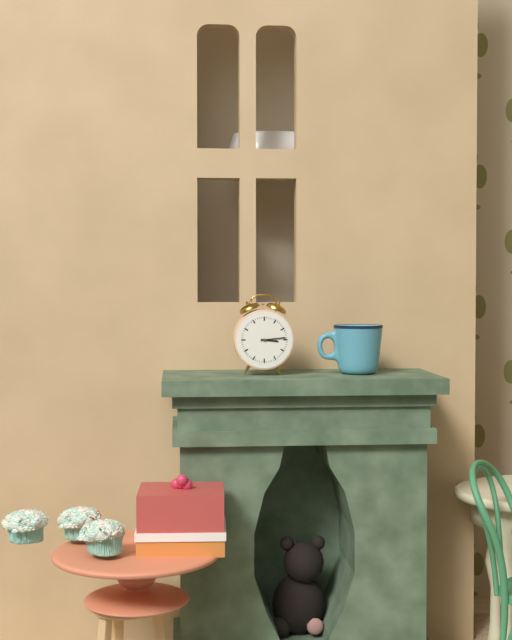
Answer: h=3 m=14
